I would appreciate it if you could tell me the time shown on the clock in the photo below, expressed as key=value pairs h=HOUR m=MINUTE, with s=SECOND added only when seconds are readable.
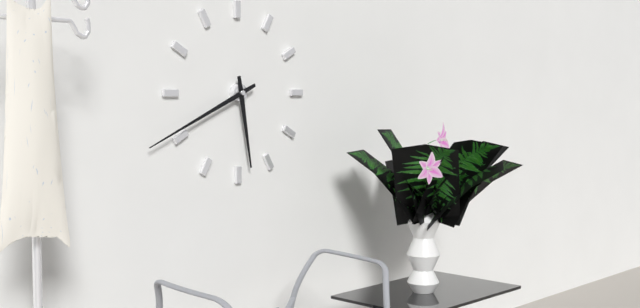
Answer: h=5 m=41
